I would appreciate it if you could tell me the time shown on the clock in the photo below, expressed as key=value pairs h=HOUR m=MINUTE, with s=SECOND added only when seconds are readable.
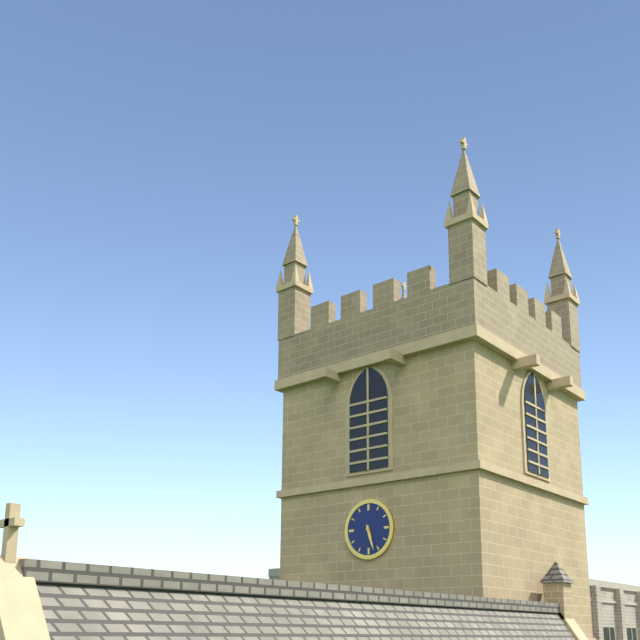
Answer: h=5 m=27
